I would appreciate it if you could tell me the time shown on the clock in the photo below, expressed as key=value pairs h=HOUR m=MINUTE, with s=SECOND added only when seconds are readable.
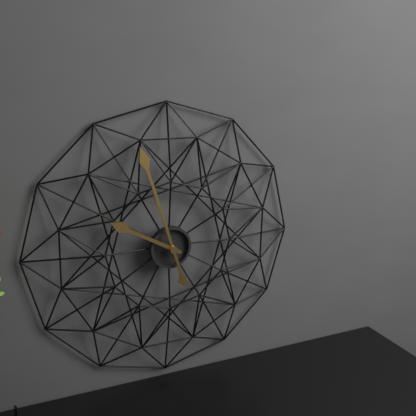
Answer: h=9 m=57
